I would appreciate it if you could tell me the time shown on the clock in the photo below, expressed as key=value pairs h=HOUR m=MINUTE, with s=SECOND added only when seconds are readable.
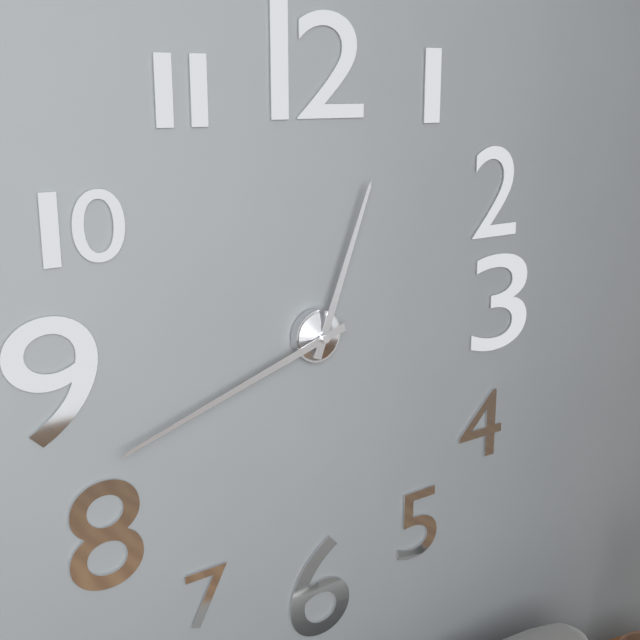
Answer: h=12 m=42
